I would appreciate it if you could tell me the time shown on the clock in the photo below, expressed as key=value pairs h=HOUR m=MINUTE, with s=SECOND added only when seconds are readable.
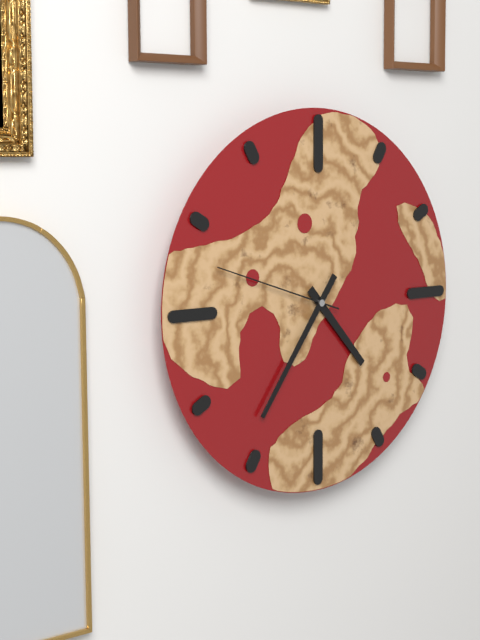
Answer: h=4 m=36 s=48
